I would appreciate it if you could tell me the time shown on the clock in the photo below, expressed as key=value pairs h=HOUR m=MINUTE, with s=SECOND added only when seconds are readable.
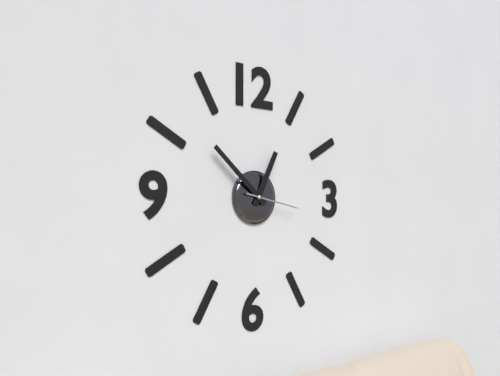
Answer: h=12 m=52 s=17
